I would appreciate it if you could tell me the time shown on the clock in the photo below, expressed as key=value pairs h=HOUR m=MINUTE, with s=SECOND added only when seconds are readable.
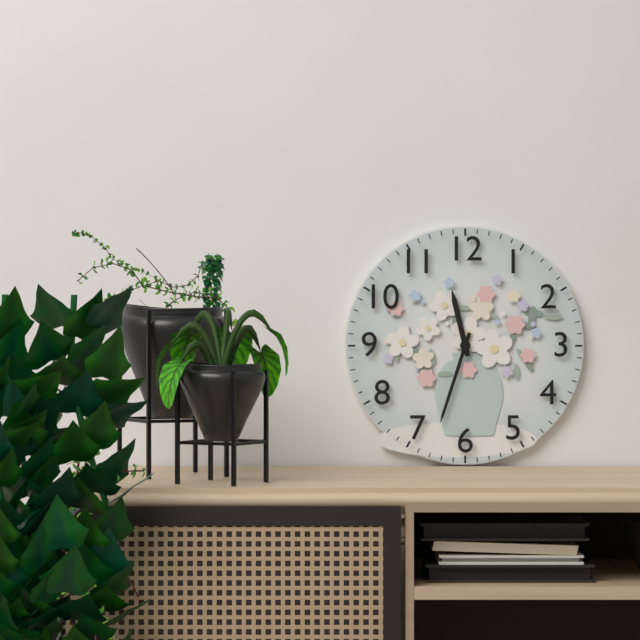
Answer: h=11 m=33
